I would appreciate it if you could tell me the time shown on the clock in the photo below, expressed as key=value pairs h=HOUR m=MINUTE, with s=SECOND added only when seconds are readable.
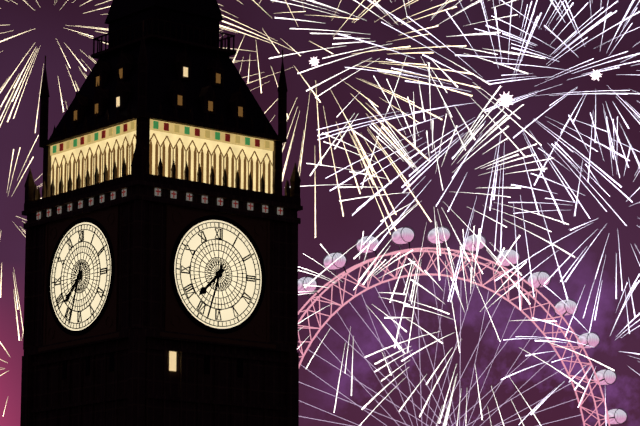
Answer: h=7 m=33
